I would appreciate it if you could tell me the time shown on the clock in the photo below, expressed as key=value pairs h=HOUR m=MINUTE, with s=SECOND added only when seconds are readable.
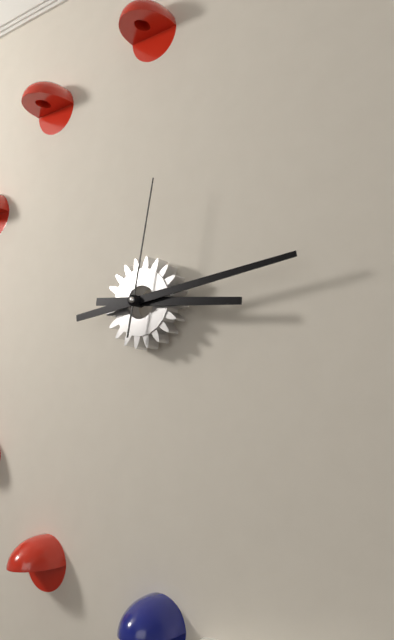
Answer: h=3 m=14 s=2
